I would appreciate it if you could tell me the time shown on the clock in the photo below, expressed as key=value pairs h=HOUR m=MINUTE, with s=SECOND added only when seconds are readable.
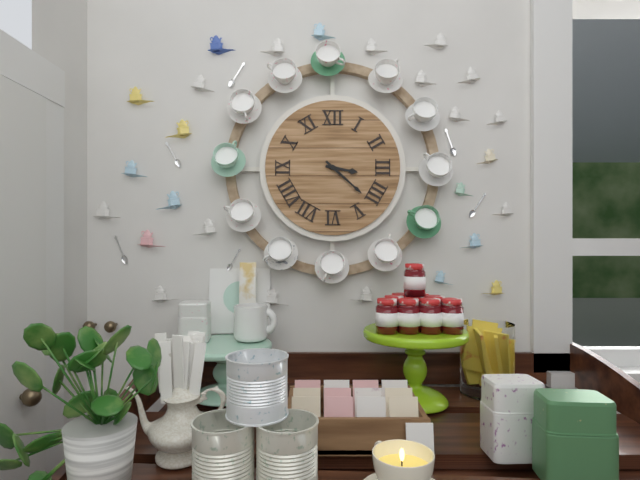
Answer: h=3 m=22
